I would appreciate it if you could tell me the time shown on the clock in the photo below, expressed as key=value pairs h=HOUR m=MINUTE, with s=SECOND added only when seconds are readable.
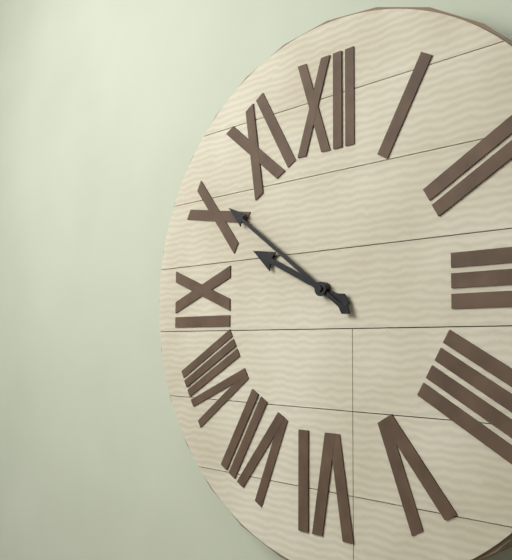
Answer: h=9 m=51
